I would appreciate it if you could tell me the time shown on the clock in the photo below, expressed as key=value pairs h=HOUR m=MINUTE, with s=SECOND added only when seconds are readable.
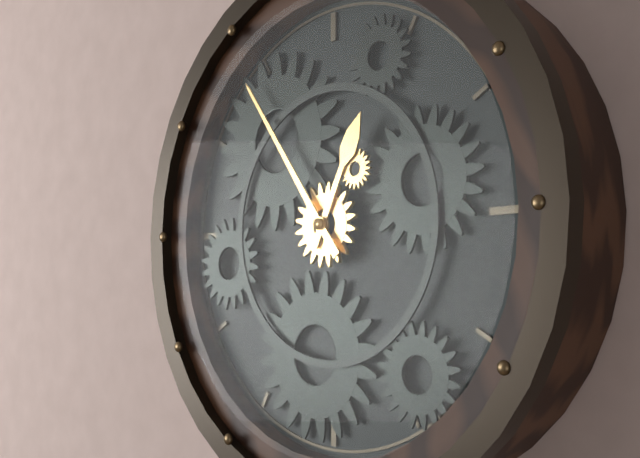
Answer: h=12 m=54
